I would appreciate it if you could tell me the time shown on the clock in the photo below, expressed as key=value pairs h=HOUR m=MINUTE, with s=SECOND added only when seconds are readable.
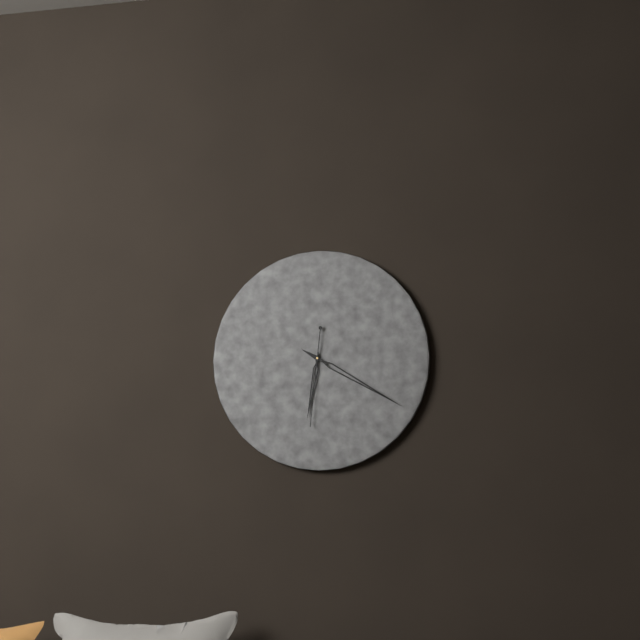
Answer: h=6 m=20 s=31
